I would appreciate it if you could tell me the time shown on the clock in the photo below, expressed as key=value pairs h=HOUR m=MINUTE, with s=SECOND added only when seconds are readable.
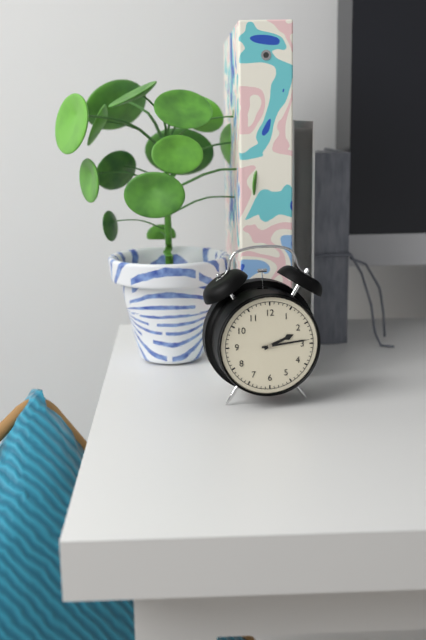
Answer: h=2 m=14
